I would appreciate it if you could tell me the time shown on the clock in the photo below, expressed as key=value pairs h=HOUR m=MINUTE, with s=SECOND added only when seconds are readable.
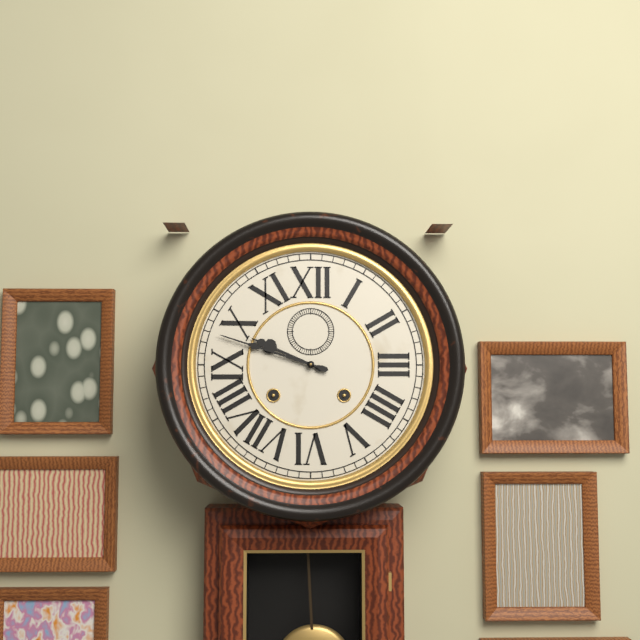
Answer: h=9 m=48
